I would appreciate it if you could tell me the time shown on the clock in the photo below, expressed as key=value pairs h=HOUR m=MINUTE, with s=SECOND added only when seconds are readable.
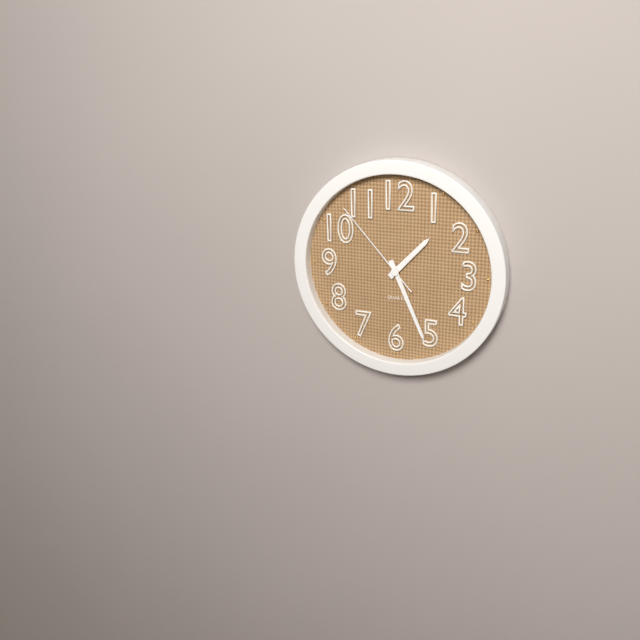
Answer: h=1 m=26 s=53
